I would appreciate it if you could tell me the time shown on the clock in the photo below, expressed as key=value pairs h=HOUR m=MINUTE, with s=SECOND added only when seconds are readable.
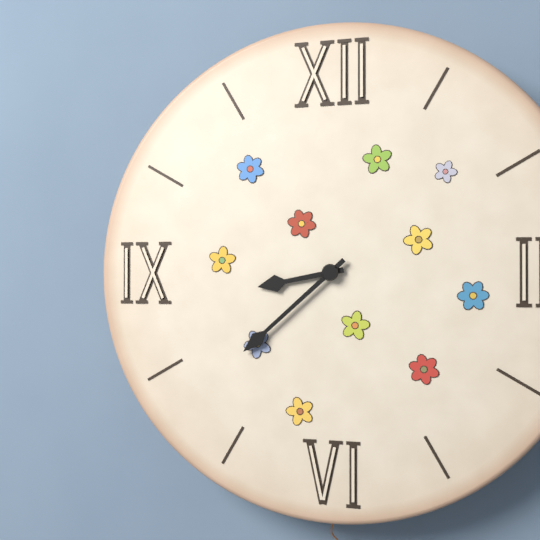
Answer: h=8 m=38
